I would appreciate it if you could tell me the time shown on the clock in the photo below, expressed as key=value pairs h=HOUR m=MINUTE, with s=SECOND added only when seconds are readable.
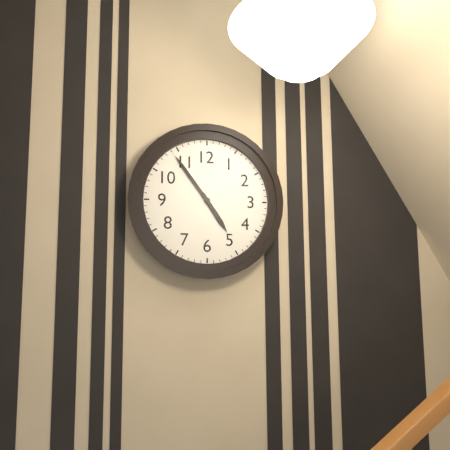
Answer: h=4 m=54
